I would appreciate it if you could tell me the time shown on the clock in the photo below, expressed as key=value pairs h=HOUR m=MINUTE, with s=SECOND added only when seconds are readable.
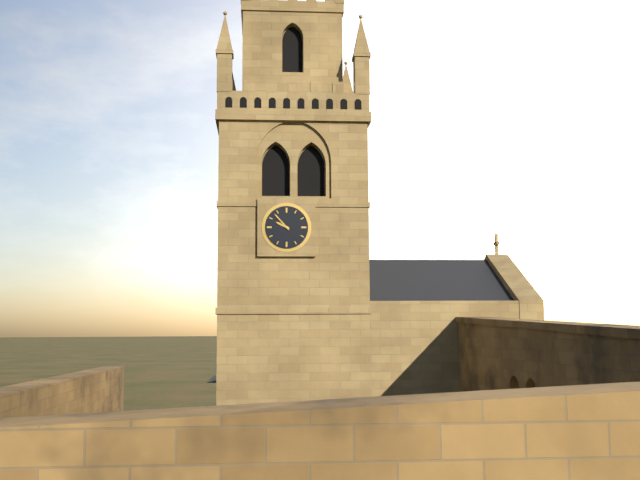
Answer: h=9 m=53
